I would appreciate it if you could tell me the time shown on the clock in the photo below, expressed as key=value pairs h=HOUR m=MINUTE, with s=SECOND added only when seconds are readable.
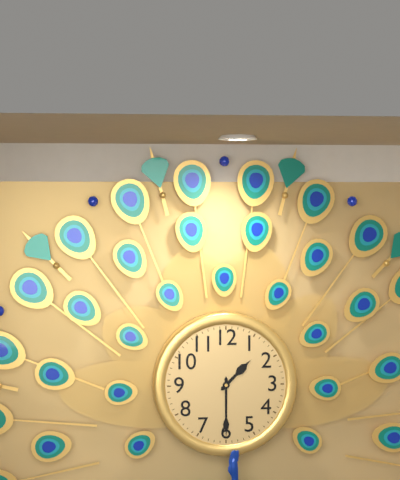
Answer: h=1 m=30
